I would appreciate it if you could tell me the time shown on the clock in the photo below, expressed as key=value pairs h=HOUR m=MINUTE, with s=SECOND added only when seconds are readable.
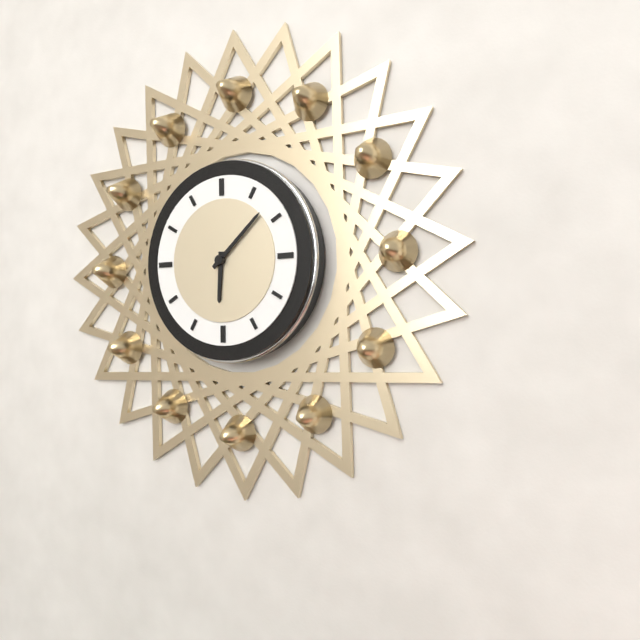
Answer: h=6 m=8
